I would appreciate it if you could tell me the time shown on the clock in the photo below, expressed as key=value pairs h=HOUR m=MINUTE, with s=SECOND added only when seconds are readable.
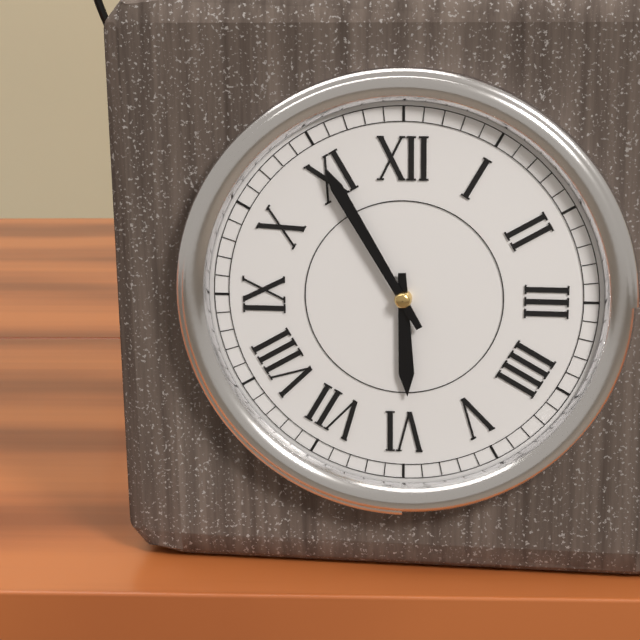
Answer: h=5 m=55
